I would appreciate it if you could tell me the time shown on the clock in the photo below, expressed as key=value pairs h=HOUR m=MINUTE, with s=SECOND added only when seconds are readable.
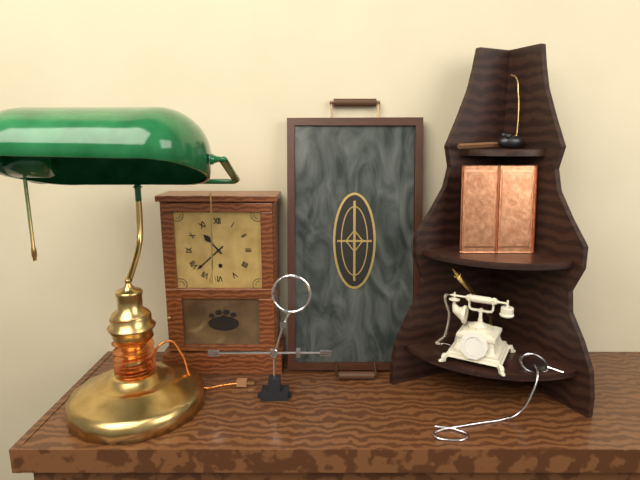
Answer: h=10 m=38
